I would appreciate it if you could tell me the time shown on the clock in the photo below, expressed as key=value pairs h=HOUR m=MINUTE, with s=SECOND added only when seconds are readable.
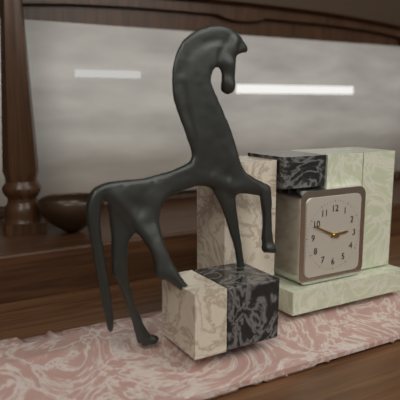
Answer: h=2 m=49
